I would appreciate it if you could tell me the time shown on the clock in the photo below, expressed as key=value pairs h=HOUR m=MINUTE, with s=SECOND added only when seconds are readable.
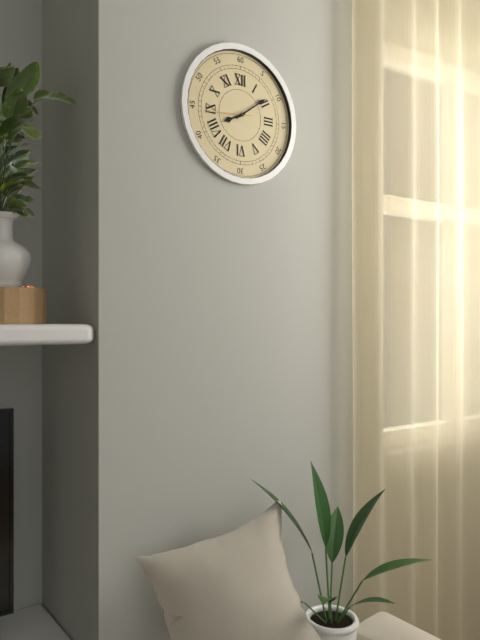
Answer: h=8 m=9
